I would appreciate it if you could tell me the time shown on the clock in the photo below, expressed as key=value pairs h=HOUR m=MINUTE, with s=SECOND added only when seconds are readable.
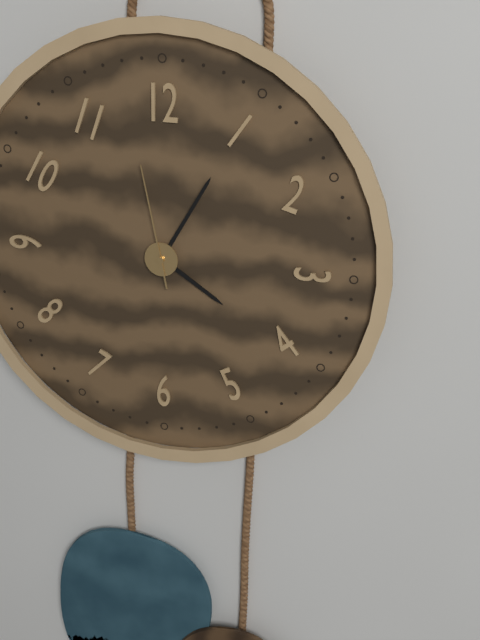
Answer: h=4 m=5 s=58
